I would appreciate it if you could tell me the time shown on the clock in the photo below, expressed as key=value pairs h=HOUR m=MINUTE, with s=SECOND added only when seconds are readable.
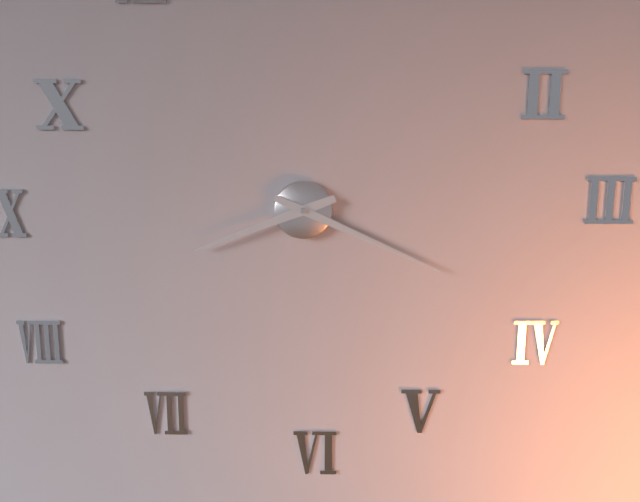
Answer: h=8 m=19
